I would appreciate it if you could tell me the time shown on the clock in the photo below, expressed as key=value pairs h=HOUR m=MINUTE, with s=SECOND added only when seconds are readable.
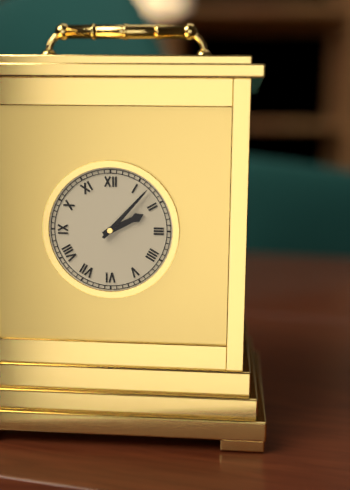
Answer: h=2 m=7
